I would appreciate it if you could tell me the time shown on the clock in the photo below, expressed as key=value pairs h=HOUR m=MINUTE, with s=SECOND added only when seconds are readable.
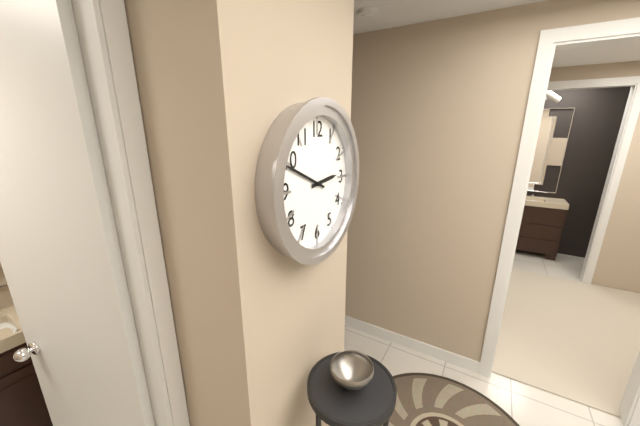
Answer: h=2 m=49
